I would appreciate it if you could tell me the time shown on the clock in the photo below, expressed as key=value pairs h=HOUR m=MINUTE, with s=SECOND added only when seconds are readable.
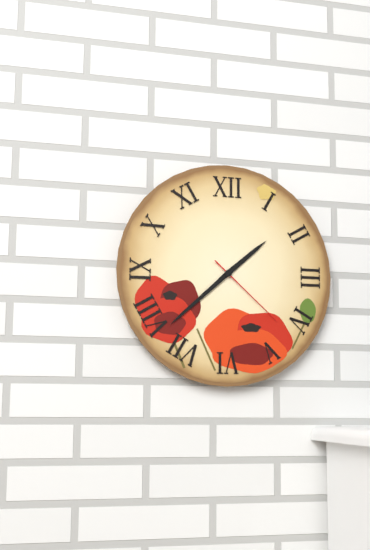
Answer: h=1 m=38 s=22
